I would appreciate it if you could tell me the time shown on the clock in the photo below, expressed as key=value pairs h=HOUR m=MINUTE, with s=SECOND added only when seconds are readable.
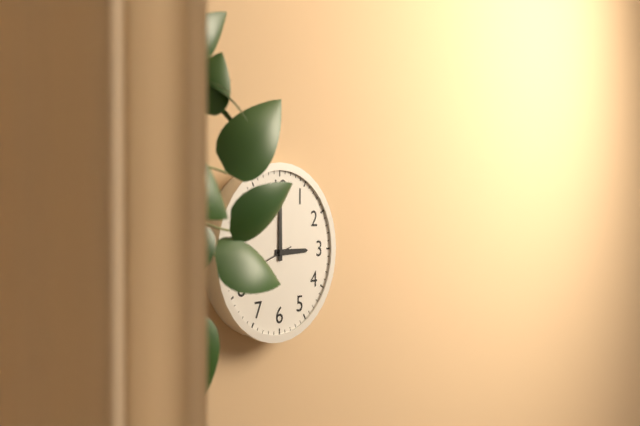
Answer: h=3 m=0
